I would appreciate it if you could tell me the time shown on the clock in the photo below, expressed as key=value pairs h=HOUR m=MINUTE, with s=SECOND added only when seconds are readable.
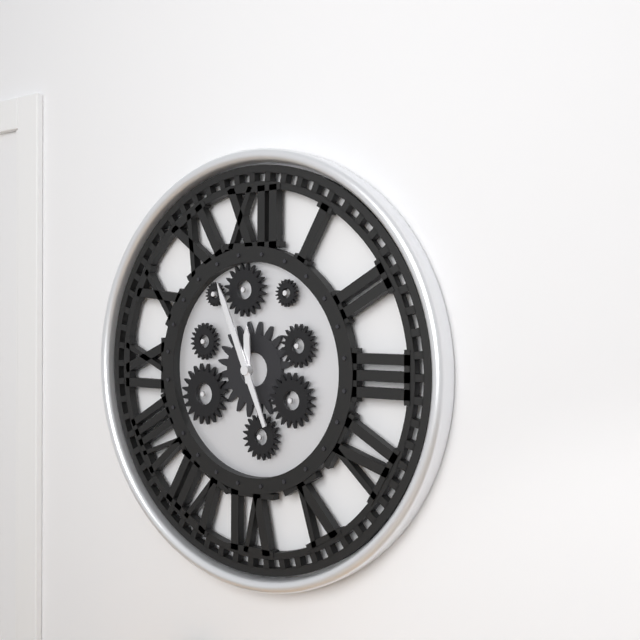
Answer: h=11 m=56
